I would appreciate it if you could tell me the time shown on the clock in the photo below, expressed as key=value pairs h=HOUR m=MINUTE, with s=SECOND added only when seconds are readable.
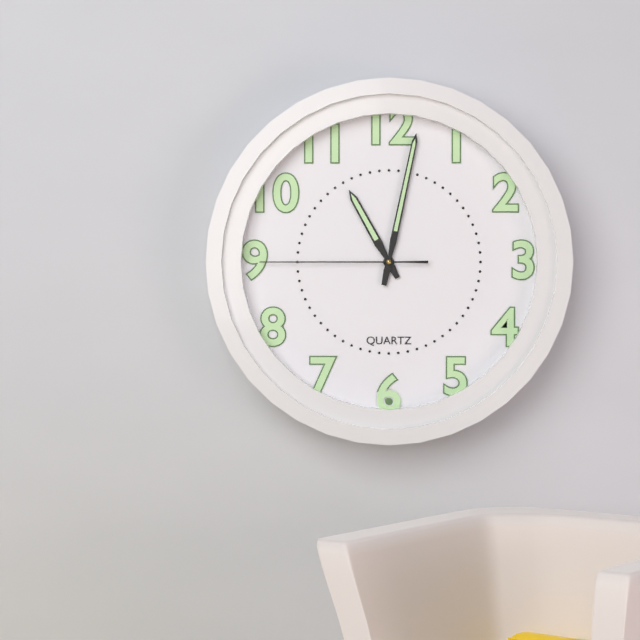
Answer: h=11 m=2 s=45
